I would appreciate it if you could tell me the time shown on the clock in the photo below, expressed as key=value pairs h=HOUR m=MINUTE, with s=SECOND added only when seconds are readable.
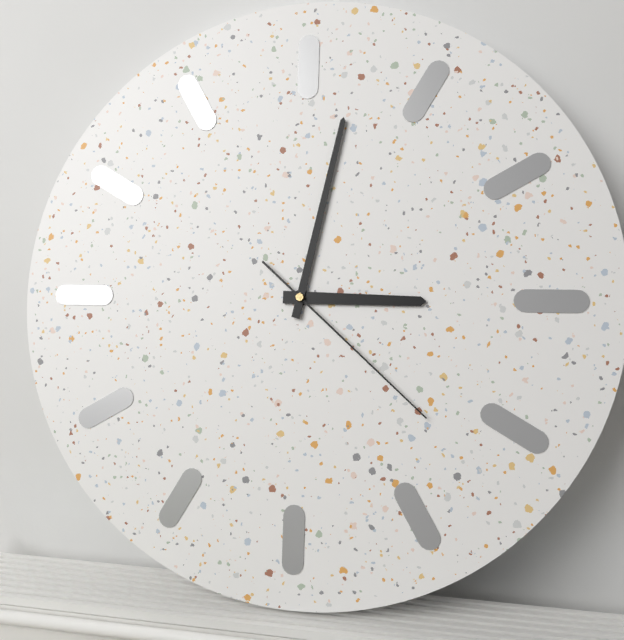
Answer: h=3 m=2 s=22
